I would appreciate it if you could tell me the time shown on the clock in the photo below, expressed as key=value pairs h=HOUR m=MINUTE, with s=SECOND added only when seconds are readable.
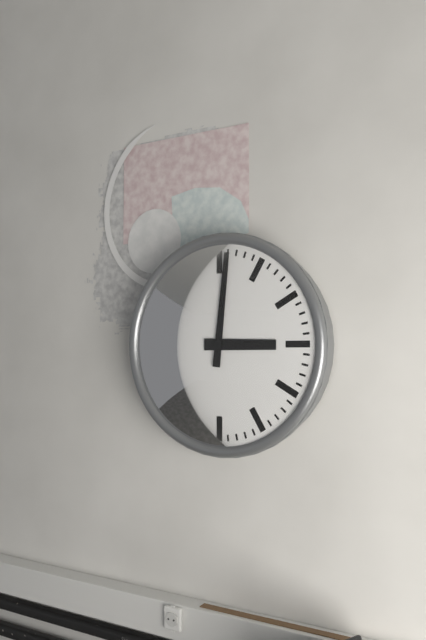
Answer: h=3 m=1
